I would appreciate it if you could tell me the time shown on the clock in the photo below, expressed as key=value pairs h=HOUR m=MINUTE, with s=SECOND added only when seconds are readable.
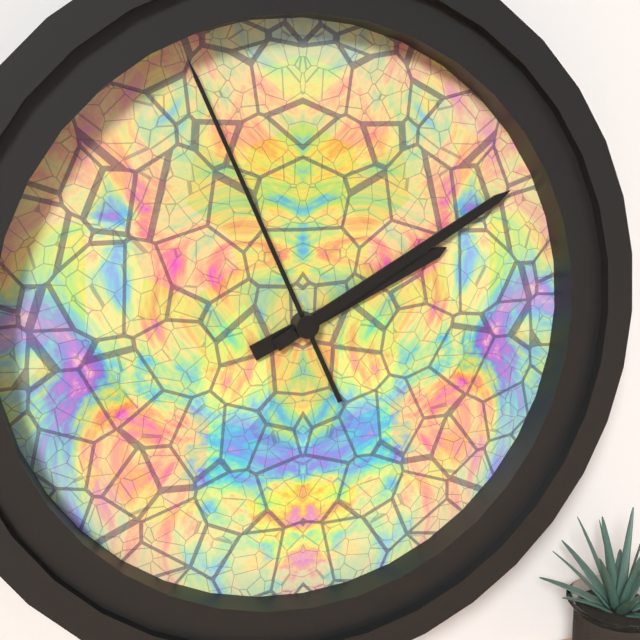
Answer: h=2 m=10 s=56
